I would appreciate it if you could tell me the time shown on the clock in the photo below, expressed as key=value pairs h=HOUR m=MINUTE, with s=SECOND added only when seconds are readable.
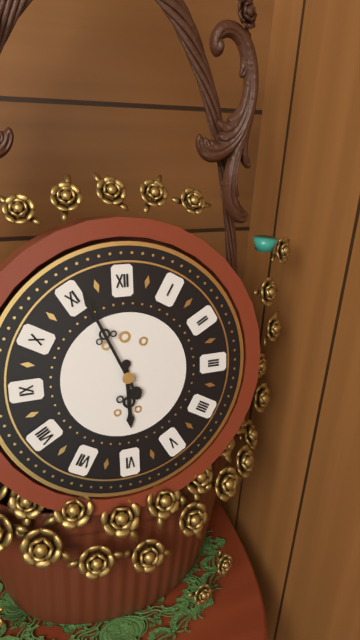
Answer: h=5 m=56
